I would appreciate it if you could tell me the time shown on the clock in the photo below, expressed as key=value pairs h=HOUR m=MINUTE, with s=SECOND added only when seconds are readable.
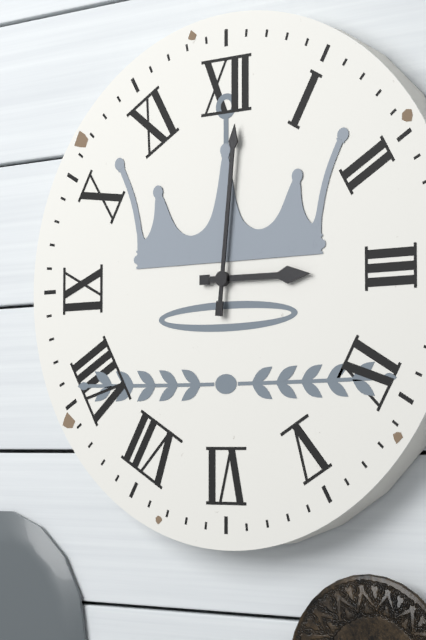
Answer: h=3 m=1
